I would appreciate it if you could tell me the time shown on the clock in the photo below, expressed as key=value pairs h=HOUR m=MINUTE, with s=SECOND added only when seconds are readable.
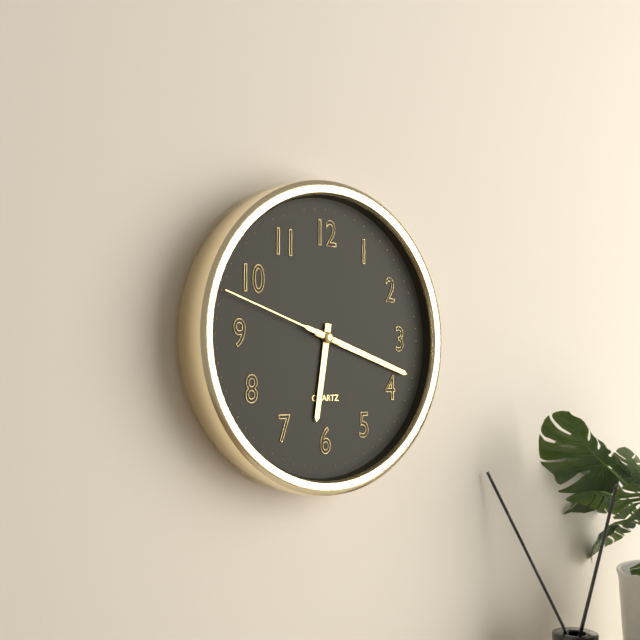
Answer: h=6 m=18 s=48
